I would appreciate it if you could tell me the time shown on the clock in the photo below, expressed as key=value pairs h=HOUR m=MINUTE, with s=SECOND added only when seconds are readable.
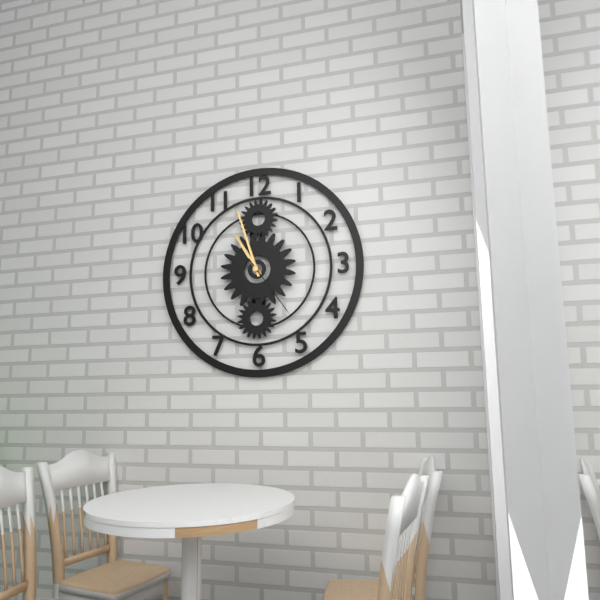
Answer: h=10 m=57 s=24
